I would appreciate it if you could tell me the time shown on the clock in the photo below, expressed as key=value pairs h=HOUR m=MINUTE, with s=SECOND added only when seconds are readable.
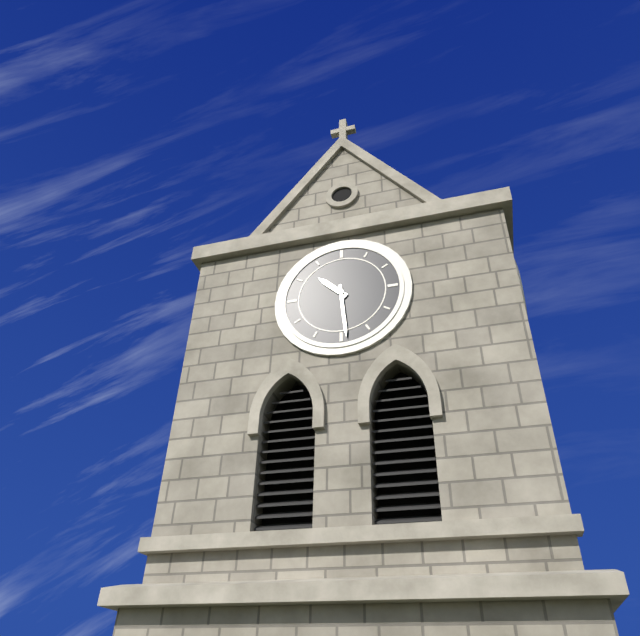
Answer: h=10 m=29
